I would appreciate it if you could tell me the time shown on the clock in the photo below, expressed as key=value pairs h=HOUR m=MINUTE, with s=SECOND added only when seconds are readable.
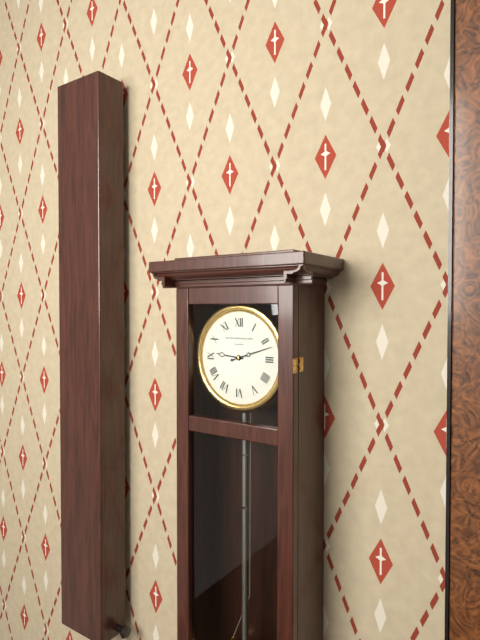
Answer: h=9 m=12
